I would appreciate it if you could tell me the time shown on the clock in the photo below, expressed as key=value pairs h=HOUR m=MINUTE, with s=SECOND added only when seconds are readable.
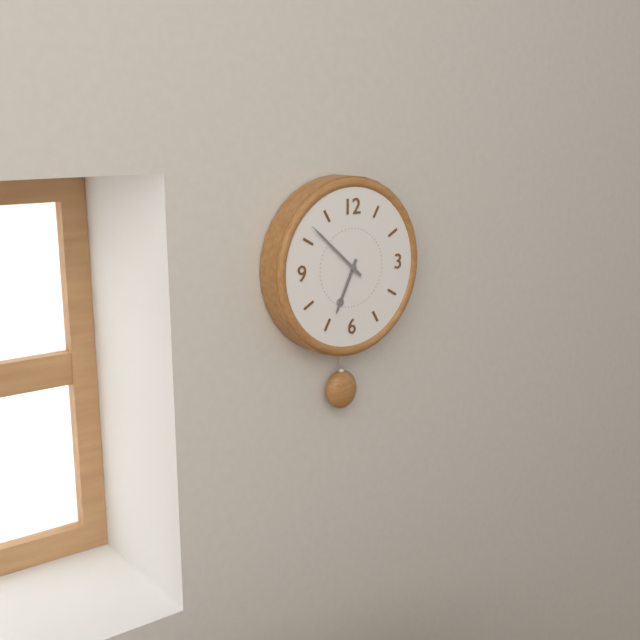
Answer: h=6 m=52
